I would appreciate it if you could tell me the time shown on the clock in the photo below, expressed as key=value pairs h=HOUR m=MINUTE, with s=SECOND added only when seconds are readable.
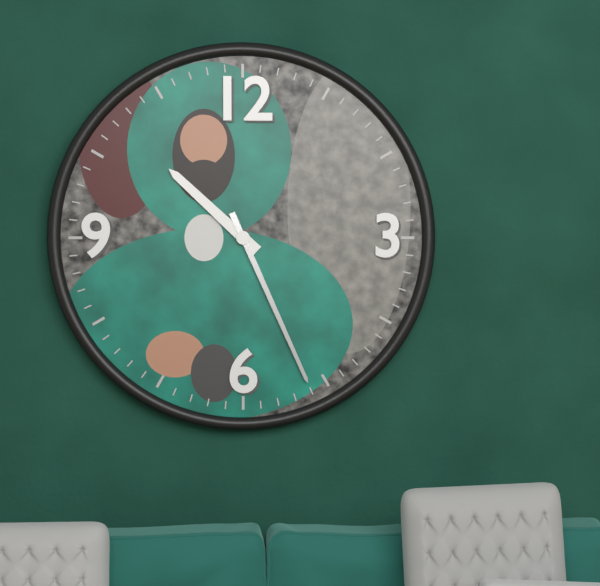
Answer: h=10 m=26
